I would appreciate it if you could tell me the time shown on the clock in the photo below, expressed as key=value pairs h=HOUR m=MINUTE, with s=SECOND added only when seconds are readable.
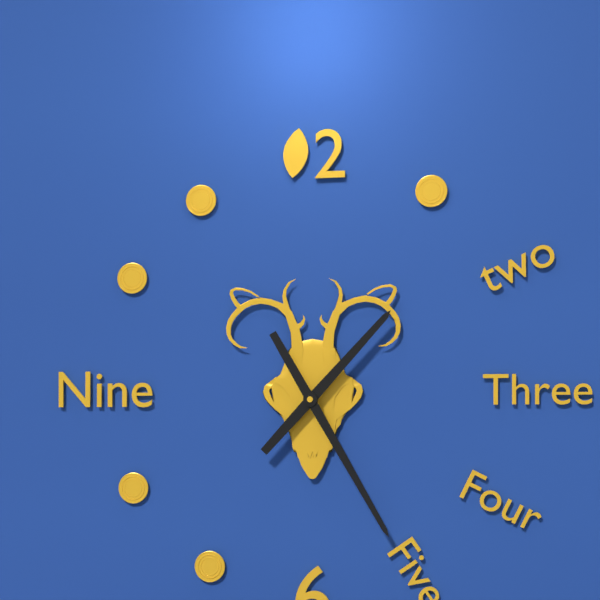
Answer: h=1 m=25
